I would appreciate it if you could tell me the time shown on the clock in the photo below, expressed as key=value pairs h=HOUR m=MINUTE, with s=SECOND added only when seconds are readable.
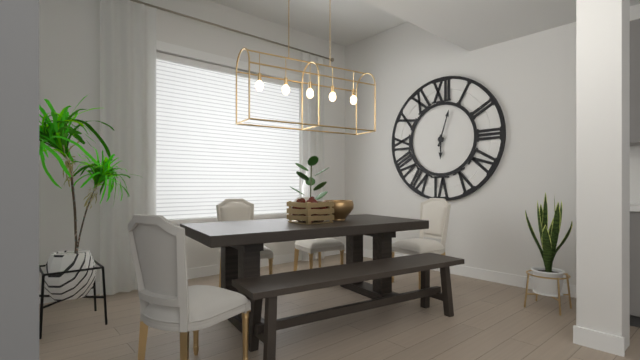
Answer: h=6 m=3
